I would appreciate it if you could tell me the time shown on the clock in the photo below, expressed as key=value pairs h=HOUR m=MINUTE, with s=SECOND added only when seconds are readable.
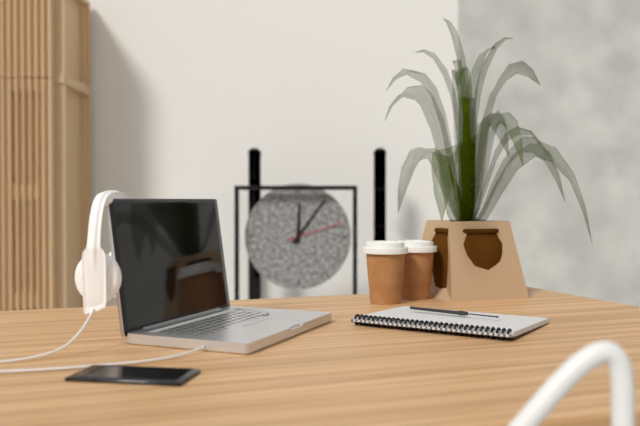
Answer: h=12 m=6 s=12
